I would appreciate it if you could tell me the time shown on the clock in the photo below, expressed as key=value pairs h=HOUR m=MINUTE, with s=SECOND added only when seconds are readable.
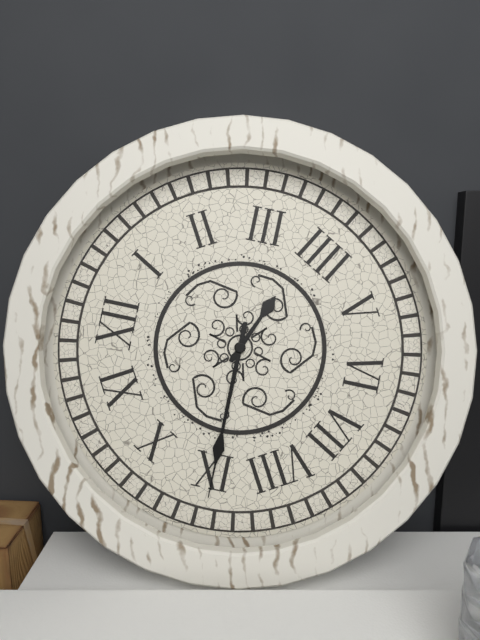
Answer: h=3 m=45
